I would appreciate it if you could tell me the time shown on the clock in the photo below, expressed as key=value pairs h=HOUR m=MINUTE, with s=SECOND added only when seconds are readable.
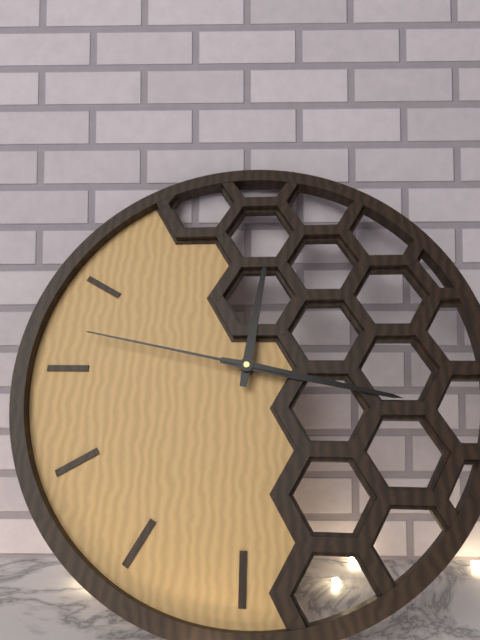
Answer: h=12 m=17 s=47
